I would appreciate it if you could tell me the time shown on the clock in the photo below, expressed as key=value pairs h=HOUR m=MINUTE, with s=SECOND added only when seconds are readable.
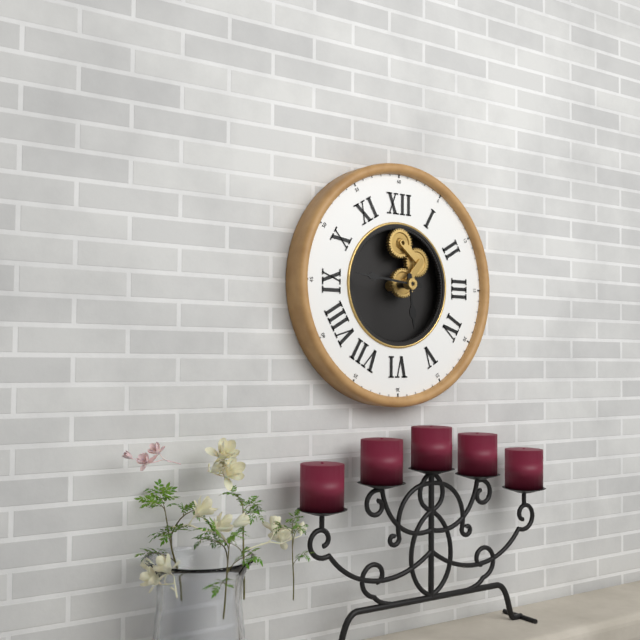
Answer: h=5 m=46
